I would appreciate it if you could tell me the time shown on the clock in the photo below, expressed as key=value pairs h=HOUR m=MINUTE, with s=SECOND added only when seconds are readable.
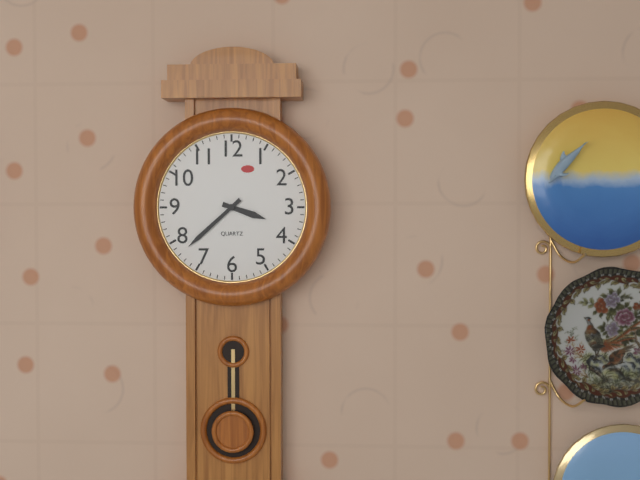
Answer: h=3 m=38
